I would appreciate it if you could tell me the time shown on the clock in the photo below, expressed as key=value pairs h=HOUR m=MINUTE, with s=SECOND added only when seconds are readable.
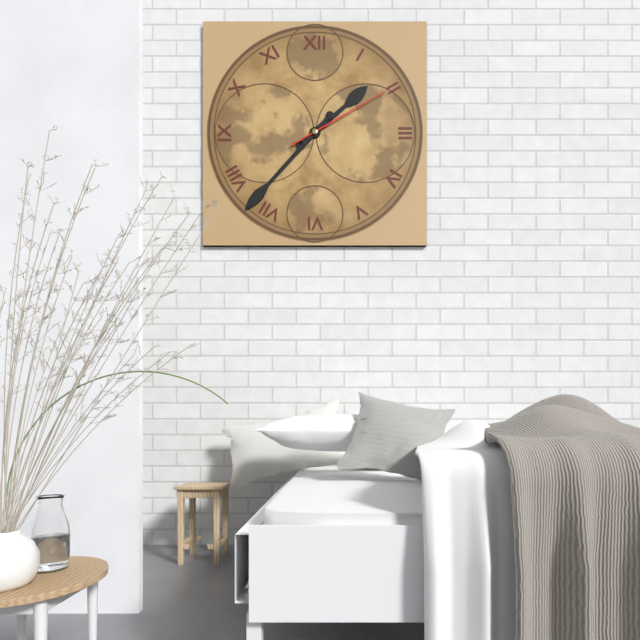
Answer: h=1 m=37 s=10
